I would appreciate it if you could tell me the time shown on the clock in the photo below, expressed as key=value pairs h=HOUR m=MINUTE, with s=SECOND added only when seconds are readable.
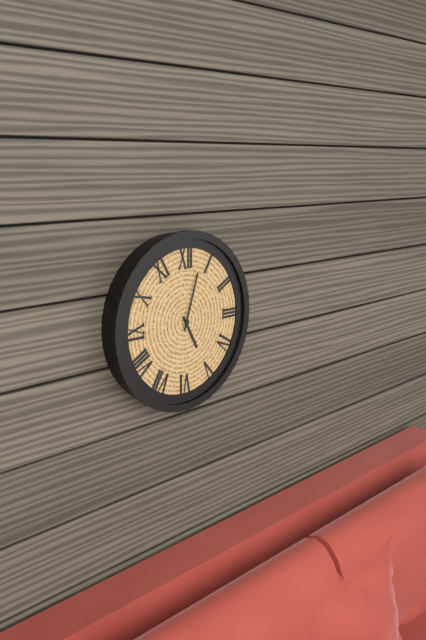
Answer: h=5 m=3
